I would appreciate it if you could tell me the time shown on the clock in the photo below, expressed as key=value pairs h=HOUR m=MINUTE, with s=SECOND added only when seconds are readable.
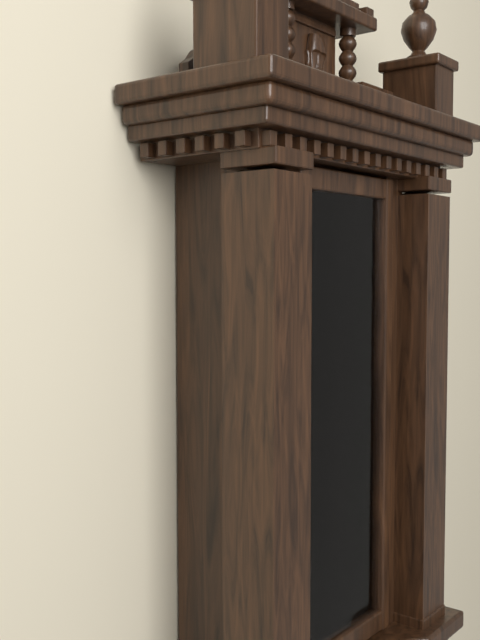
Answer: h=12 m=1
